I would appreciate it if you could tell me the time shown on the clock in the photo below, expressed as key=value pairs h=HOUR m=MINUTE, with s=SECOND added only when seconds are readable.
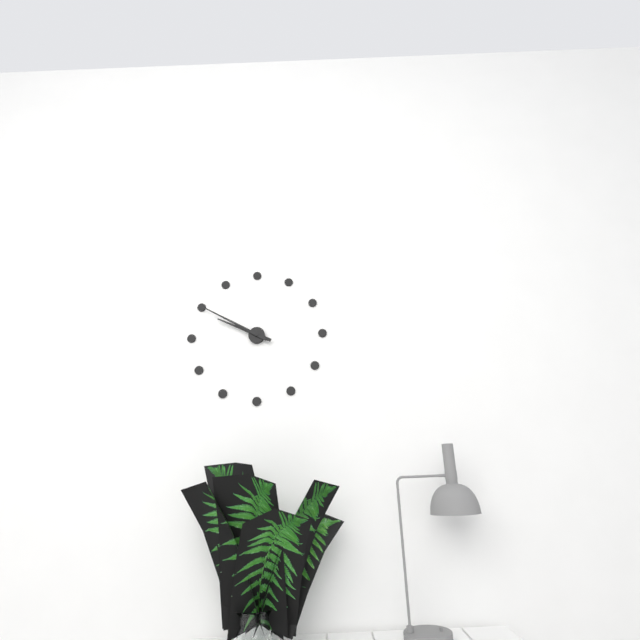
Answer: h=9 m=50
